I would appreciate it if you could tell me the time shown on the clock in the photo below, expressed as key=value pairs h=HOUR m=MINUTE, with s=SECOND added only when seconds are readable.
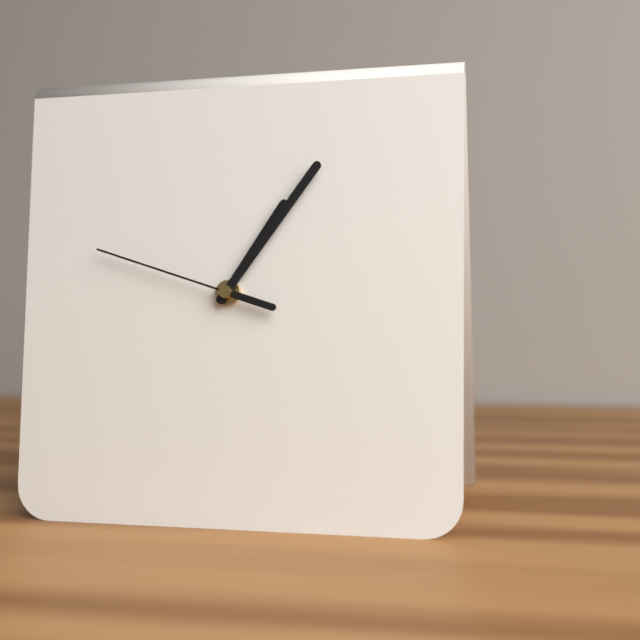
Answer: h=1 m=6 s=48
